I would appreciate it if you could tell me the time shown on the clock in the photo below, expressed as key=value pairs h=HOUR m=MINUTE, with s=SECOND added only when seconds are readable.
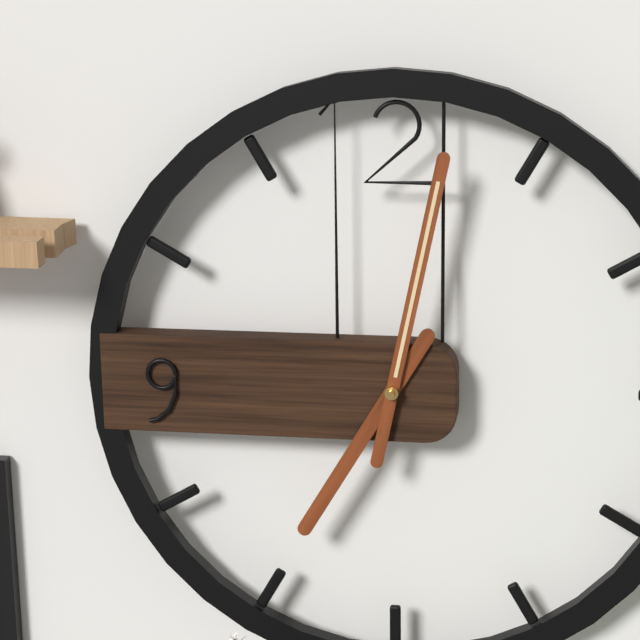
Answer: h=7 m=2
